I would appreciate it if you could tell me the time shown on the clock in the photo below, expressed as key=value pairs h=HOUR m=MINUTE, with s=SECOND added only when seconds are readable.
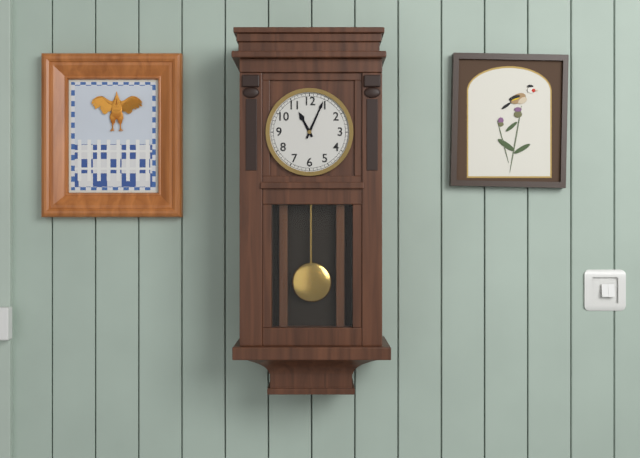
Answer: h=11 m=4
